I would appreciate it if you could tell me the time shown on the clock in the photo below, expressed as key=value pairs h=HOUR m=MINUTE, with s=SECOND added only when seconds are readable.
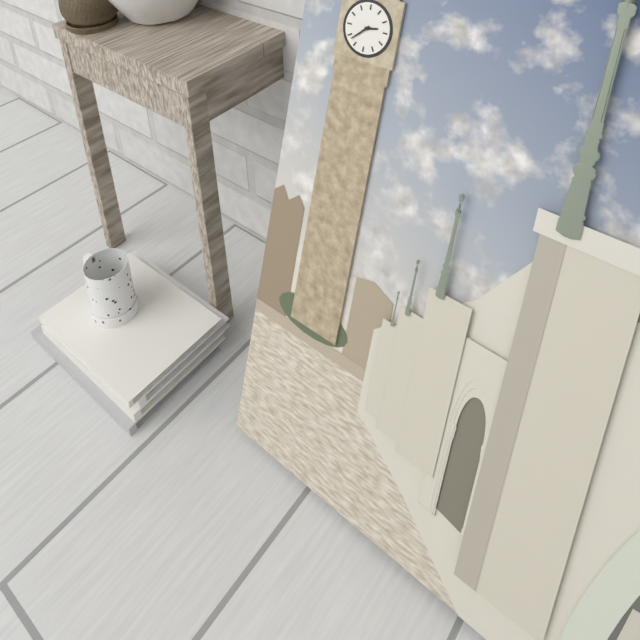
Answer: h=2 m=38
